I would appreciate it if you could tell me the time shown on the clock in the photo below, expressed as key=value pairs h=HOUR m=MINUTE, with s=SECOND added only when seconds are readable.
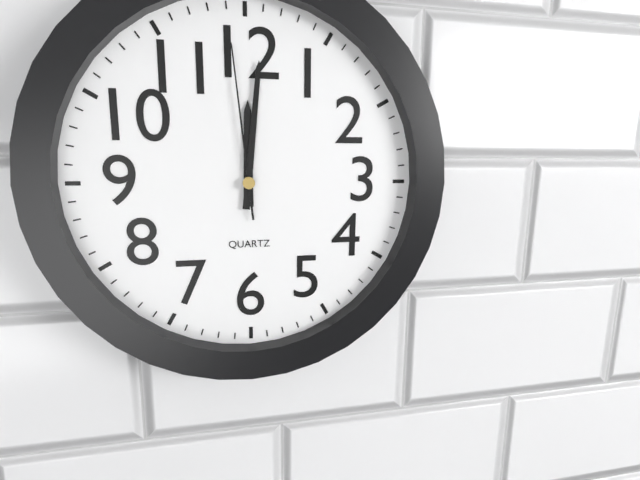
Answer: h=12 m=1 s=59
